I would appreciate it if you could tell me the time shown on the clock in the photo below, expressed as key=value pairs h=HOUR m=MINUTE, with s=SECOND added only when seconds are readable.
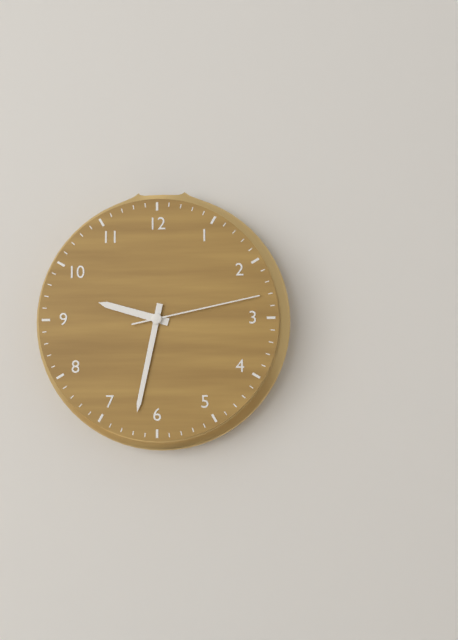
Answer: h=9 m=32 s=13
